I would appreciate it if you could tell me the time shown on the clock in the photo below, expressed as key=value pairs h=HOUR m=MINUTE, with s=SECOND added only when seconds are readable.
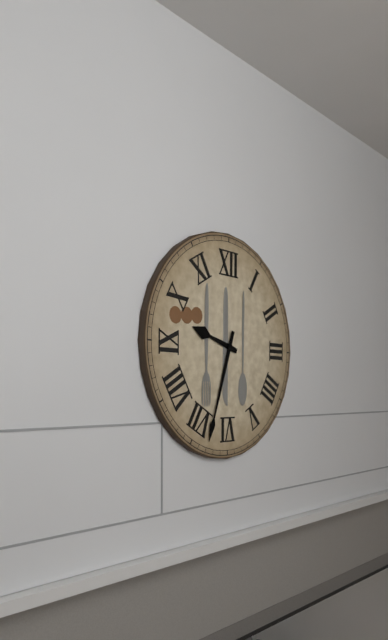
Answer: h=9 m=33
